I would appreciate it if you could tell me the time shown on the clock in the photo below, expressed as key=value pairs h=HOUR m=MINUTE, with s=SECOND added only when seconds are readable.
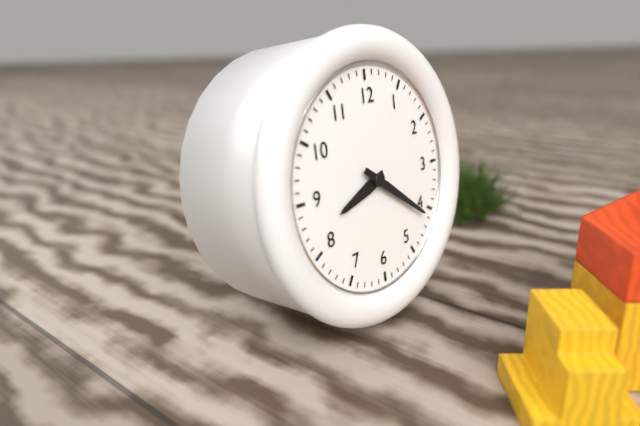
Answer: h=8 m=21
